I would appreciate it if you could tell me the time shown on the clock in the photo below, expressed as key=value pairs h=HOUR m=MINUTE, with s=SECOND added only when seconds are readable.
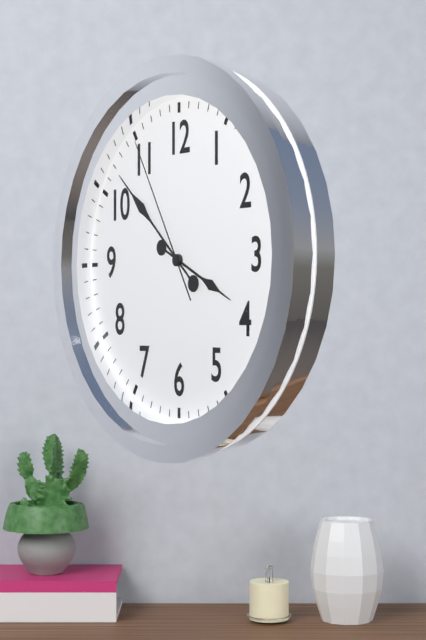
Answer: h=3 m=52 s=55
